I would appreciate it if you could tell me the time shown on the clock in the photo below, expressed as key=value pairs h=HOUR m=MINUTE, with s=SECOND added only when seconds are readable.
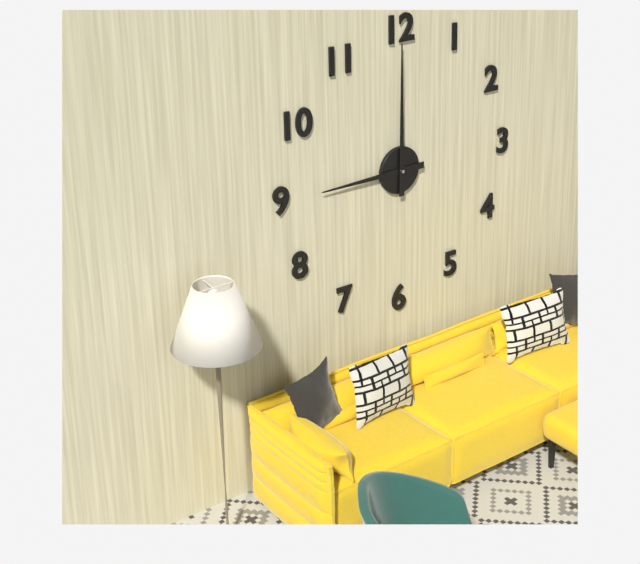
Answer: h=9 m=0
